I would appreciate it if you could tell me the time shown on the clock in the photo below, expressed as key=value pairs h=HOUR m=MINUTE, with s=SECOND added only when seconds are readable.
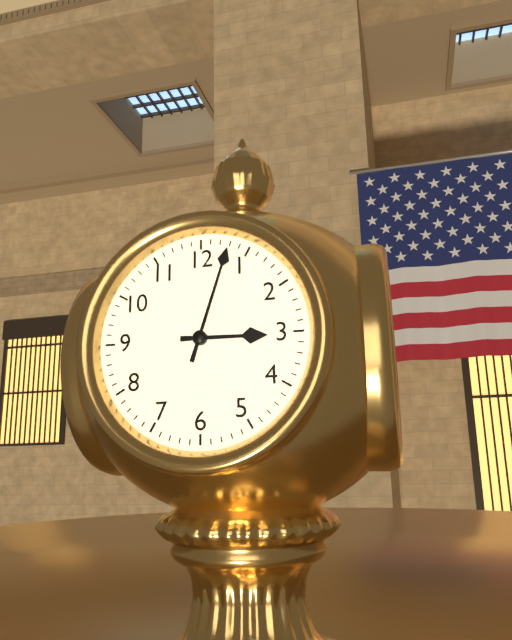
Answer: h=3 m=3
